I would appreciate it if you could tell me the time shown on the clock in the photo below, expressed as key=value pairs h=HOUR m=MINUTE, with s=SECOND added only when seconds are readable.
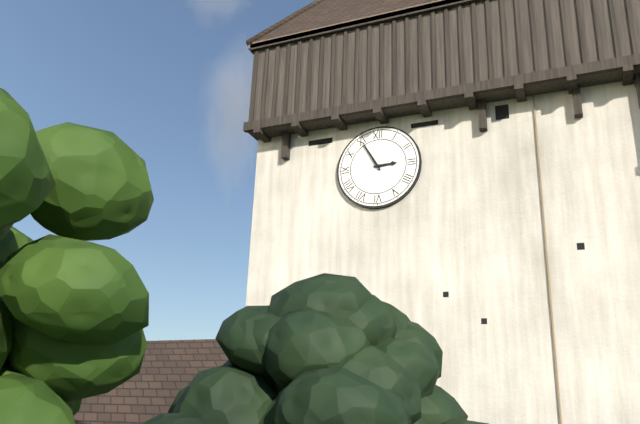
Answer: h=2 m=55
